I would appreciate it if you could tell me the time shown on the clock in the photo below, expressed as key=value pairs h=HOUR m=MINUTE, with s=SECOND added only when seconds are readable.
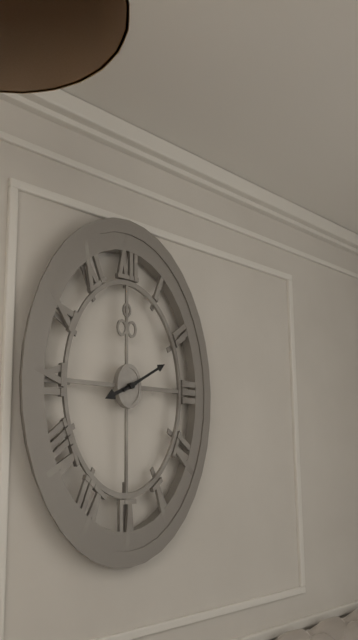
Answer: h=8 m=10
